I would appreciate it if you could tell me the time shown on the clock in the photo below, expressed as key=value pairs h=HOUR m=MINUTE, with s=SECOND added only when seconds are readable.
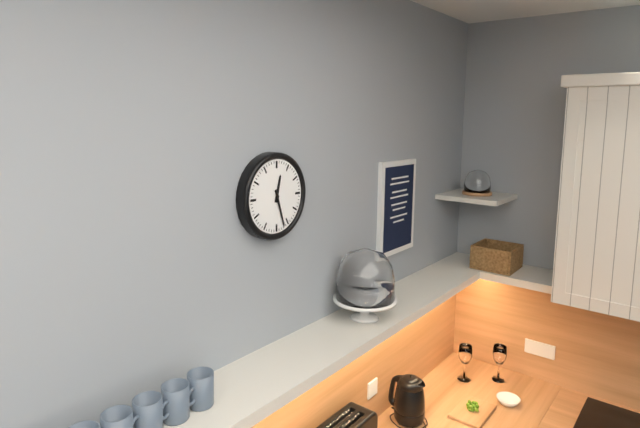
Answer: h=12 m=27
